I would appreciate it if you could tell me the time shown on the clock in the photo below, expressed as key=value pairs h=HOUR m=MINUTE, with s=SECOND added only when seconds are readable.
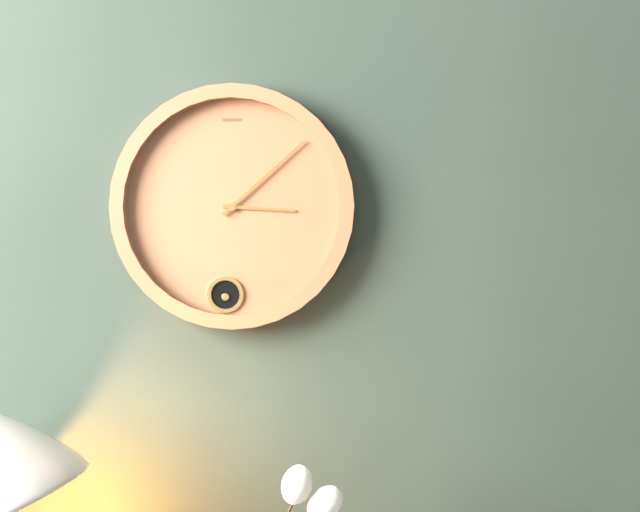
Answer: h=3 m=8
